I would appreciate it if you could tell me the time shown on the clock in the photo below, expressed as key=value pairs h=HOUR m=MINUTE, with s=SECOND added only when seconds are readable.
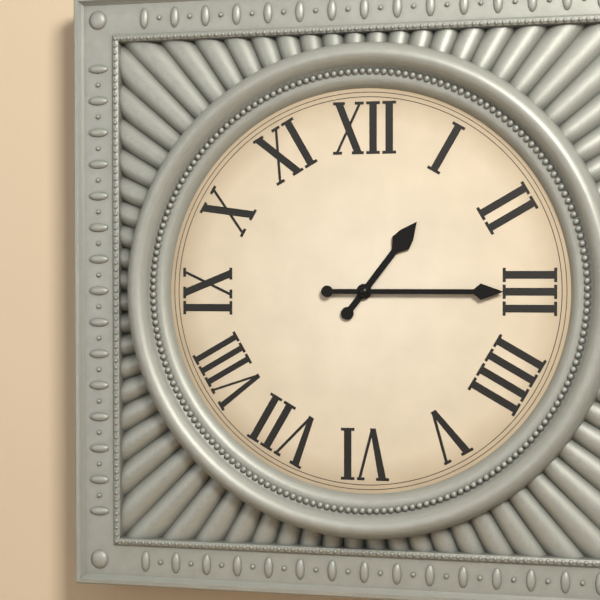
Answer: h=1 m=15
